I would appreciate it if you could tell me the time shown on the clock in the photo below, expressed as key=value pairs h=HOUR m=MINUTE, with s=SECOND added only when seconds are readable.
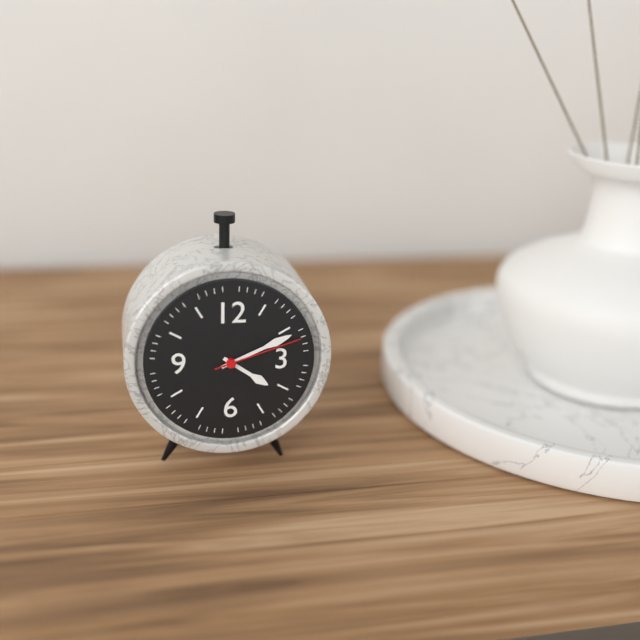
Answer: h=4 m=11 s=12
